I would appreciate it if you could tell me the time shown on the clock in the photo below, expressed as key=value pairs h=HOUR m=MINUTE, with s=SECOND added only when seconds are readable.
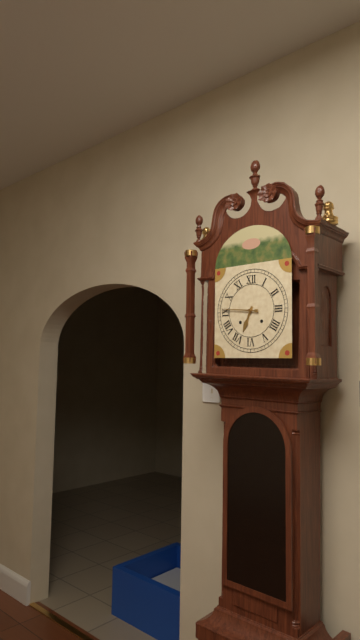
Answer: h=6 m=46
